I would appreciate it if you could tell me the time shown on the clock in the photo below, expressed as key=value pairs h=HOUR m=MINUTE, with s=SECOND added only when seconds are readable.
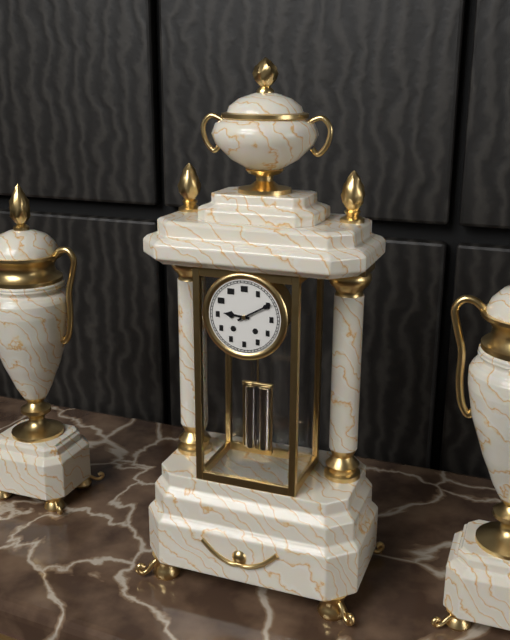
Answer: h=9 m=10
